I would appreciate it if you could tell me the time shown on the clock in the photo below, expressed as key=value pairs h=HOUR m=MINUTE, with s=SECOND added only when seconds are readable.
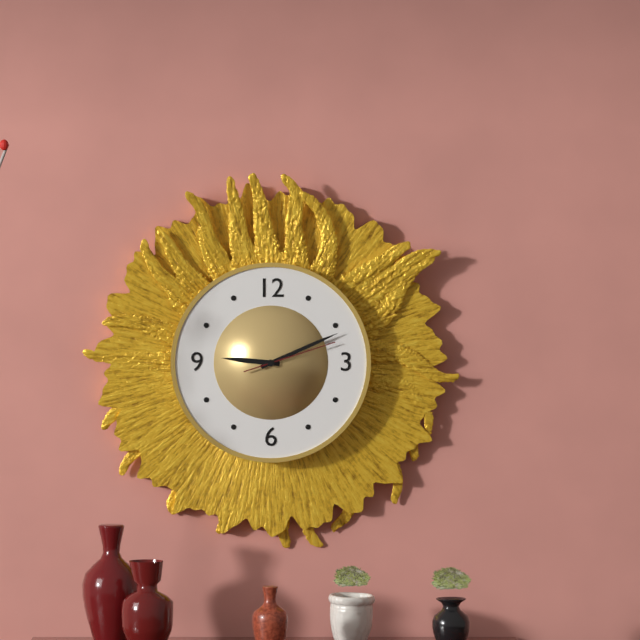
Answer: h=9 m=11 s=12
